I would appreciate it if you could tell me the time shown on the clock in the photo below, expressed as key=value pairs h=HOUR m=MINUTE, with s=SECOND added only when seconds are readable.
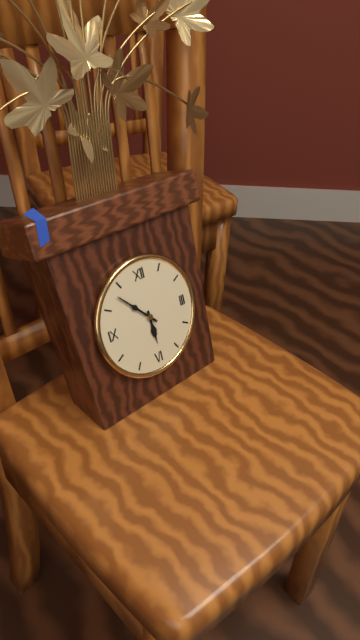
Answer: h=5 m=53
